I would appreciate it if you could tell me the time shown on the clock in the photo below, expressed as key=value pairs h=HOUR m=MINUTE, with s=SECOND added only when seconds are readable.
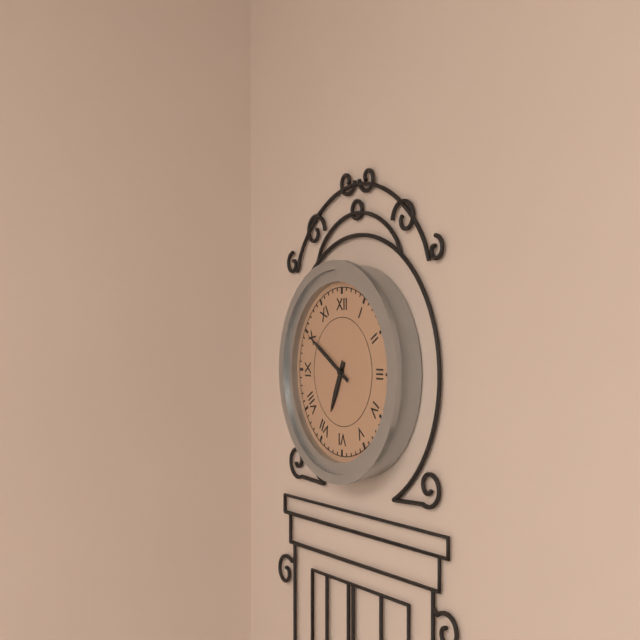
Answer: h=6 m=50
